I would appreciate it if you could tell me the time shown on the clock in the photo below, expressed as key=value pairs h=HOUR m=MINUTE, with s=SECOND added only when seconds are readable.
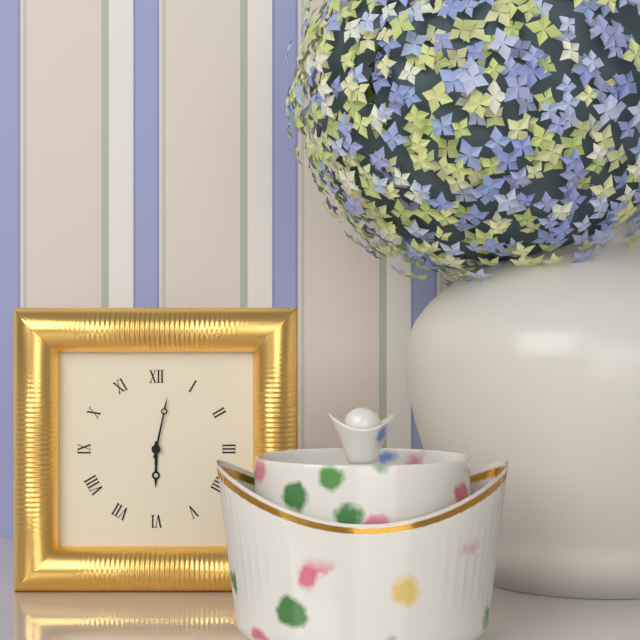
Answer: h=6 m=2
